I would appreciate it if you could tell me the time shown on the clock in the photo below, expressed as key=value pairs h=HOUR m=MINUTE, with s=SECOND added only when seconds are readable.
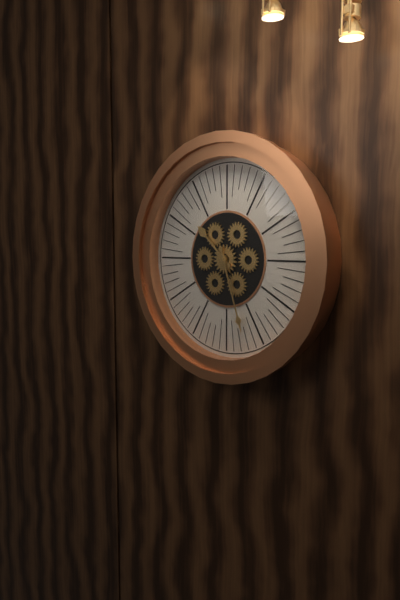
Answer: h=10 m=27
